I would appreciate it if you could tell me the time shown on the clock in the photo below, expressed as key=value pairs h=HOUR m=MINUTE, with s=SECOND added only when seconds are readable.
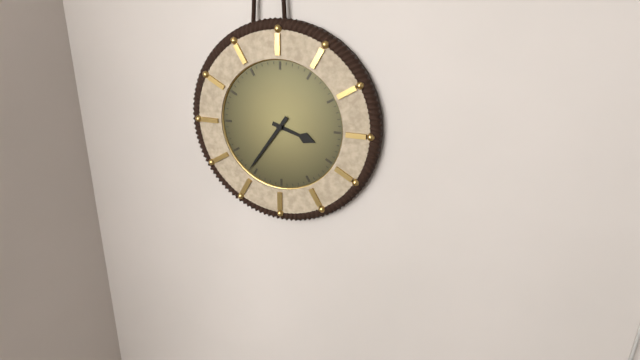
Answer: h=3 m=36
